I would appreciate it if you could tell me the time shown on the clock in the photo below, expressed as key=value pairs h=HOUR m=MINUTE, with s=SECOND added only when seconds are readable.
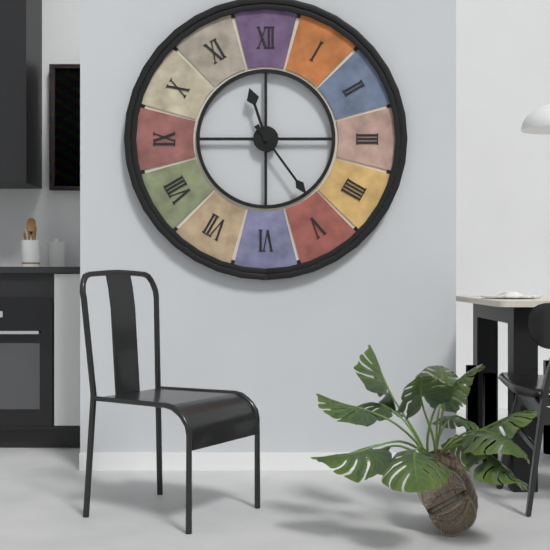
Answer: h=11 m=24
